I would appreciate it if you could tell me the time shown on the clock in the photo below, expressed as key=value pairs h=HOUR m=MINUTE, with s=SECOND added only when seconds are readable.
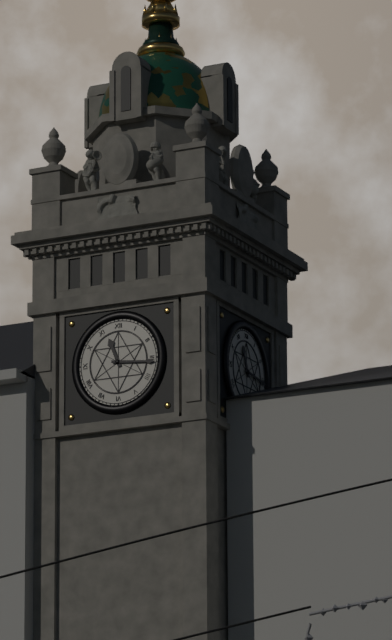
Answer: h=11 m=16
